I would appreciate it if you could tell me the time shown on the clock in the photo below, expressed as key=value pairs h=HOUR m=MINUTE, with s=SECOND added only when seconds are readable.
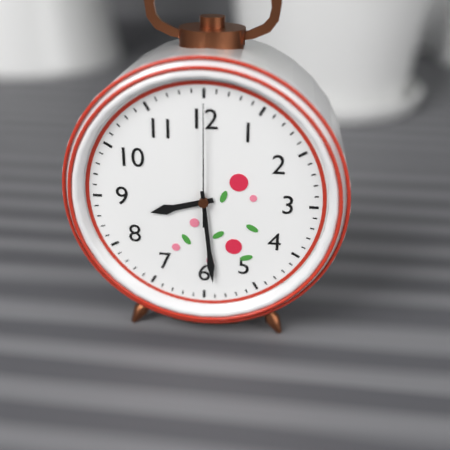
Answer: h=8 m=29 s=0
